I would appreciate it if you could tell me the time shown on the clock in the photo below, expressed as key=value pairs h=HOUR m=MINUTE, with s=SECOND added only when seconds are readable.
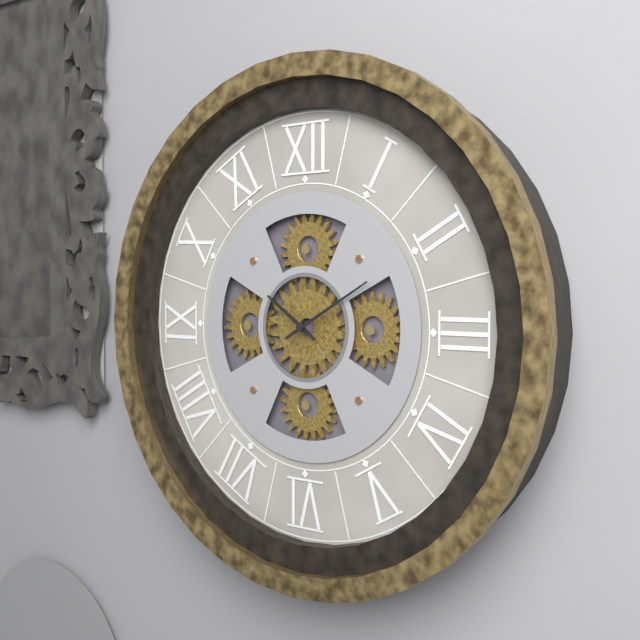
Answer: h=10 m=10
